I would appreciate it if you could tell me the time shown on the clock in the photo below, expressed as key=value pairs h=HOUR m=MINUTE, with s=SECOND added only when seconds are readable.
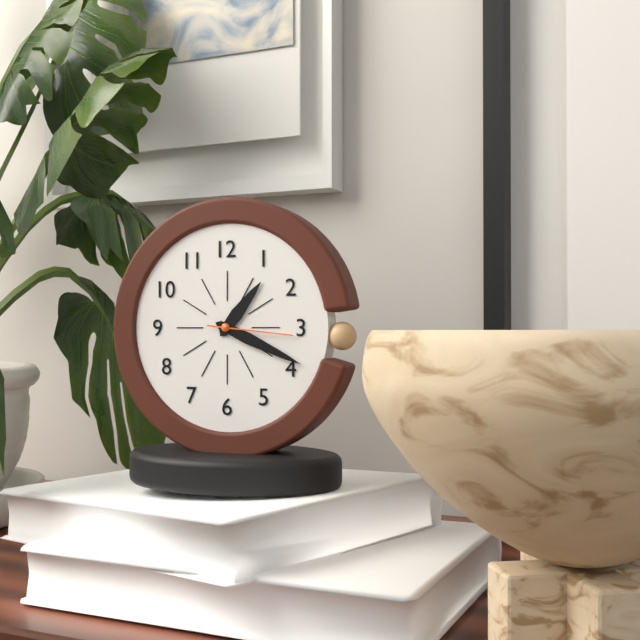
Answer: h=1 m=19 s=16
